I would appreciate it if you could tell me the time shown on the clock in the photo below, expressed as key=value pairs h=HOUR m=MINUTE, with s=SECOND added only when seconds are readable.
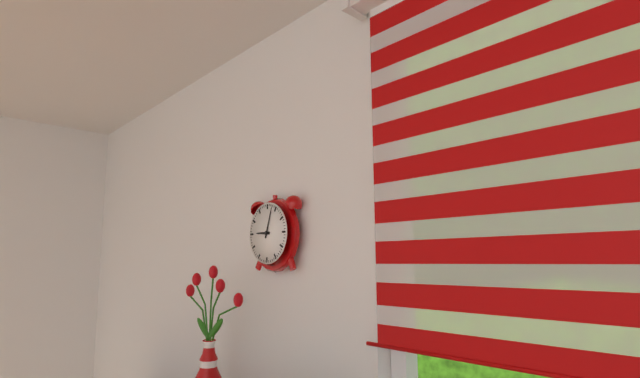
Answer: h=9 m=3
